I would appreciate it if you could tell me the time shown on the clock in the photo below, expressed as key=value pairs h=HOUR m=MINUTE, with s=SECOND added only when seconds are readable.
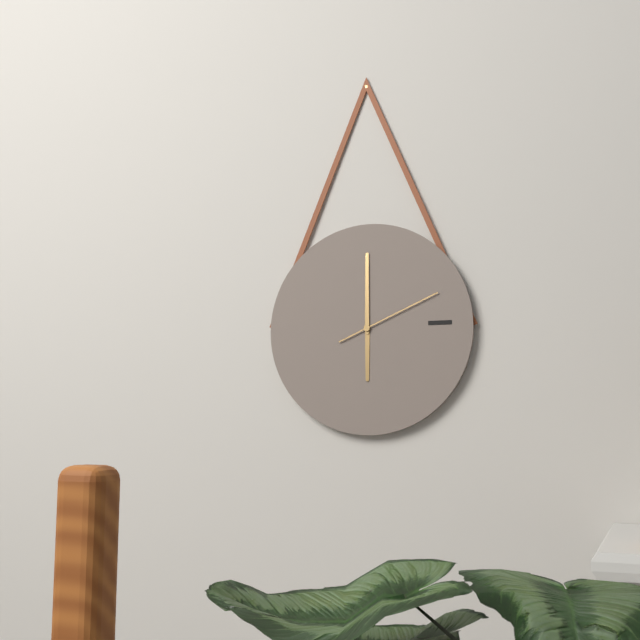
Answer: h=6 m=0 s=11
